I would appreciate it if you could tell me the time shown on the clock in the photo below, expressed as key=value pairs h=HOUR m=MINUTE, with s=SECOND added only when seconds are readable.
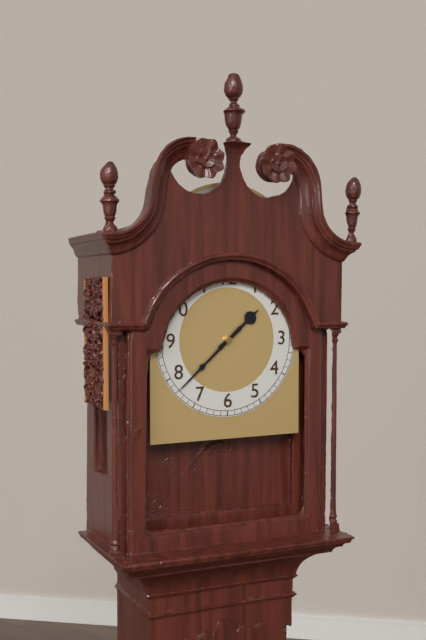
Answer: h=1 m=38
